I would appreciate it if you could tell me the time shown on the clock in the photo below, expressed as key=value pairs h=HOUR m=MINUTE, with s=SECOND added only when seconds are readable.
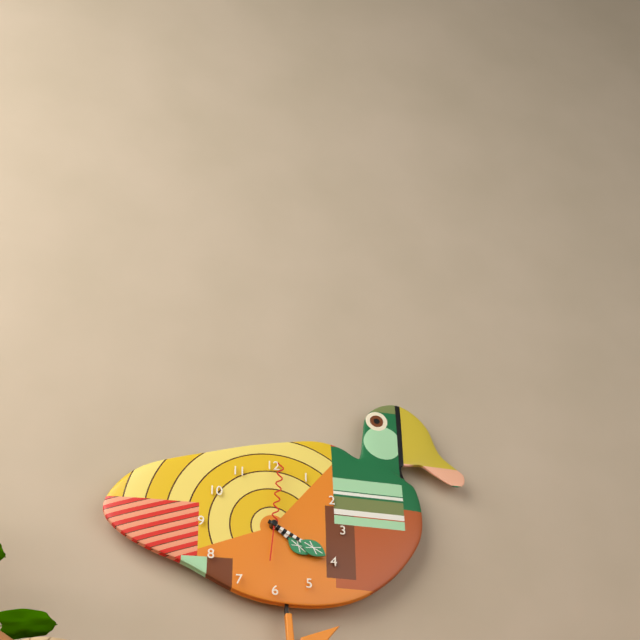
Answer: h=4 m=20 s=1
